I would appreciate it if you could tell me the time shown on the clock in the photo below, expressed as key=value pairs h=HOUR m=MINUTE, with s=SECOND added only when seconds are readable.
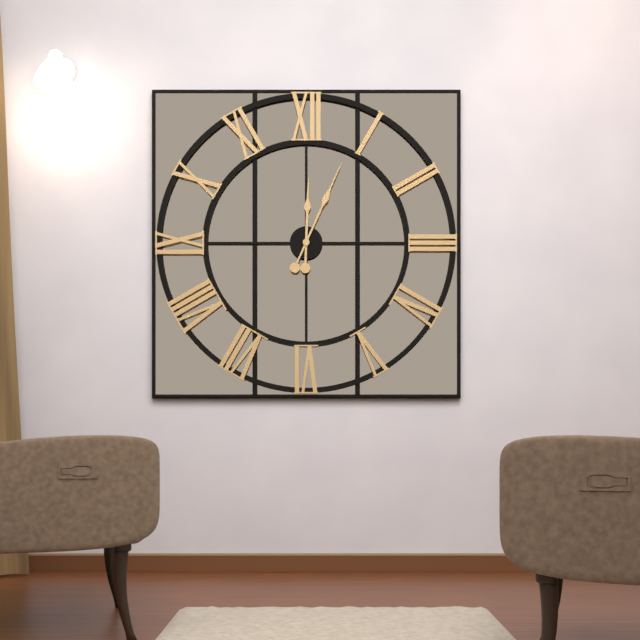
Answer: h=12 m=4
